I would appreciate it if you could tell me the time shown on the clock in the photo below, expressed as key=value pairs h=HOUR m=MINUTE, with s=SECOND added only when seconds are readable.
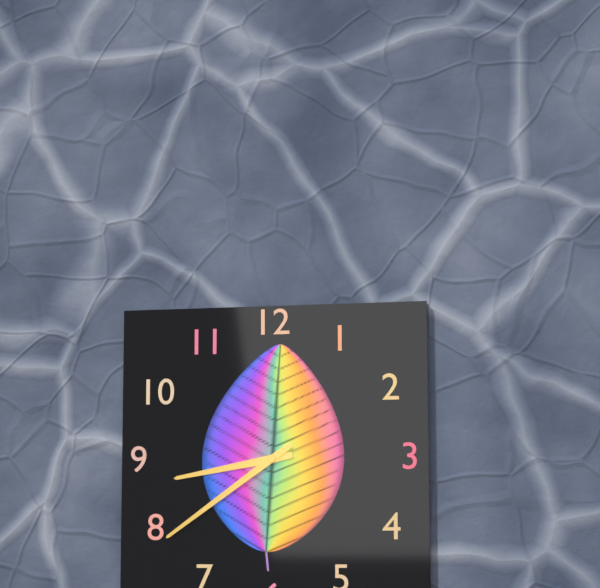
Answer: h=8 m=39
